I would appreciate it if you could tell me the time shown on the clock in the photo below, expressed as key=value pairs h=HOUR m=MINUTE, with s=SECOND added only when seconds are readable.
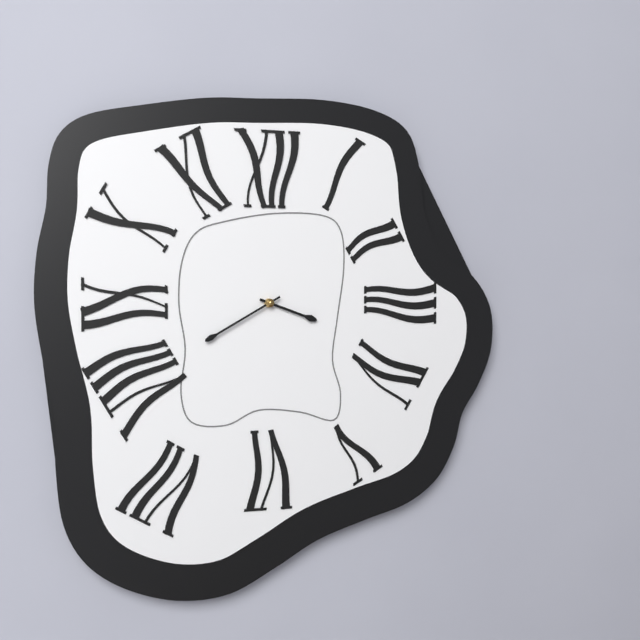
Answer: h=3 m=40
